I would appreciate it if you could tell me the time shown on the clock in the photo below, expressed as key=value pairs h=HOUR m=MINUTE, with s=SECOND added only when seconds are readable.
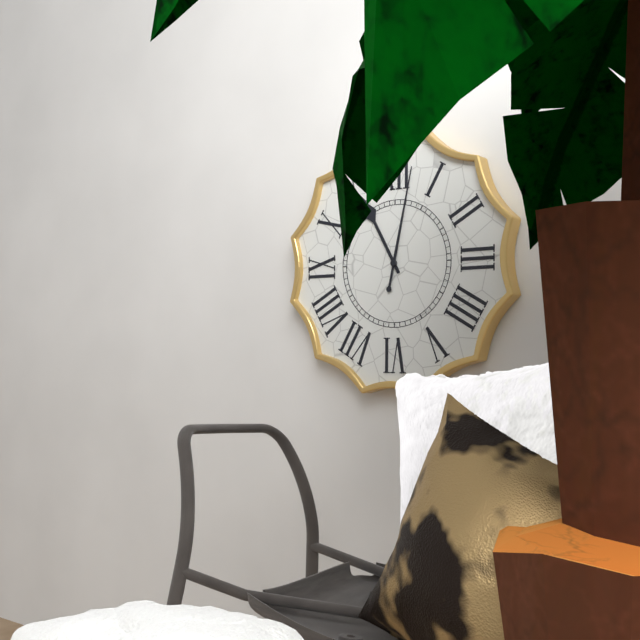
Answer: h=11 m=2
